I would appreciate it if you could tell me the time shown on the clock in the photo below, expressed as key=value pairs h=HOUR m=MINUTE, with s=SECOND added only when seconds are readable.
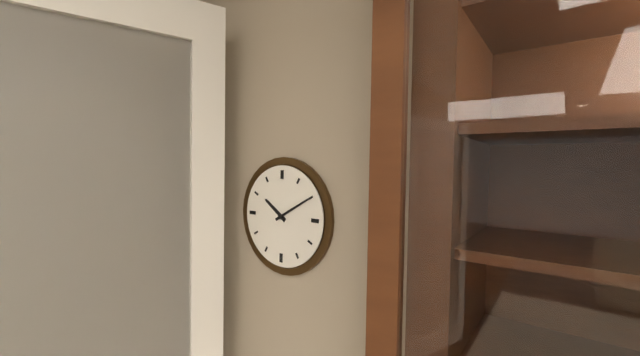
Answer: h=10 m=10
